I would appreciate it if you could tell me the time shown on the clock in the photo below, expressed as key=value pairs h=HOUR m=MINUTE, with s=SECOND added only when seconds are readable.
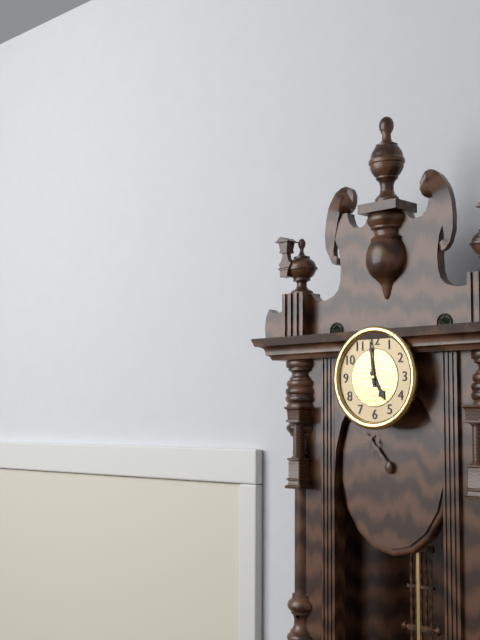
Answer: h=4 m=59
